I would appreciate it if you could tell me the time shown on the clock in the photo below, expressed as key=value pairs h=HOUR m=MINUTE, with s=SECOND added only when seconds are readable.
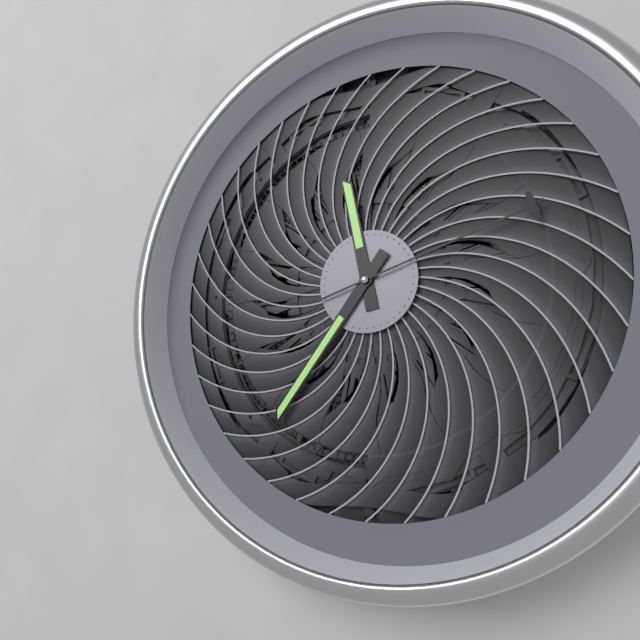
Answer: h=11 m=36 s=12
